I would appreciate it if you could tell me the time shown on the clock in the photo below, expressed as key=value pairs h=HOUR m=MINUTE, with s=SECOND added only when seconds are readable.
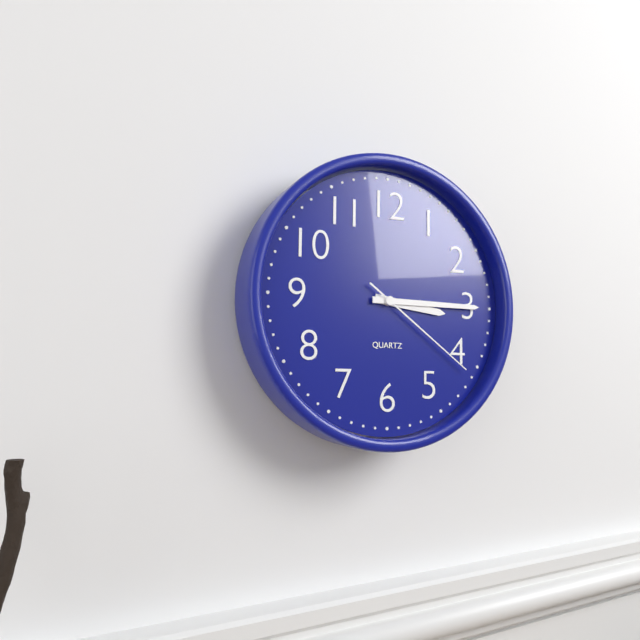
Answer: h=3 m=15 s=21
